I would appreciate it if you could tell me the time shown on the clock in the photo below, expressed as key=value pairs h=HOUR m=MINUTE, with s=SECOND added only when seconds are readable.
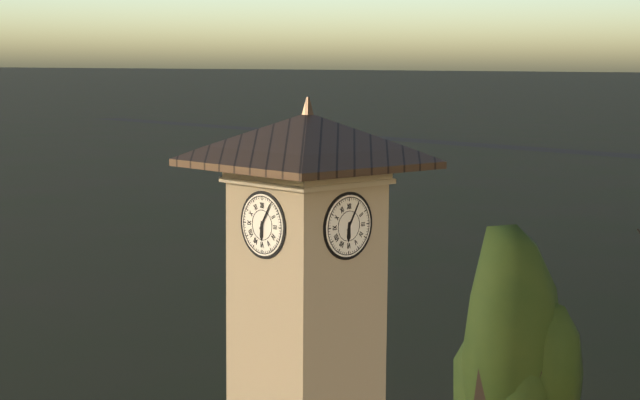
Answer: h=6 m=5
